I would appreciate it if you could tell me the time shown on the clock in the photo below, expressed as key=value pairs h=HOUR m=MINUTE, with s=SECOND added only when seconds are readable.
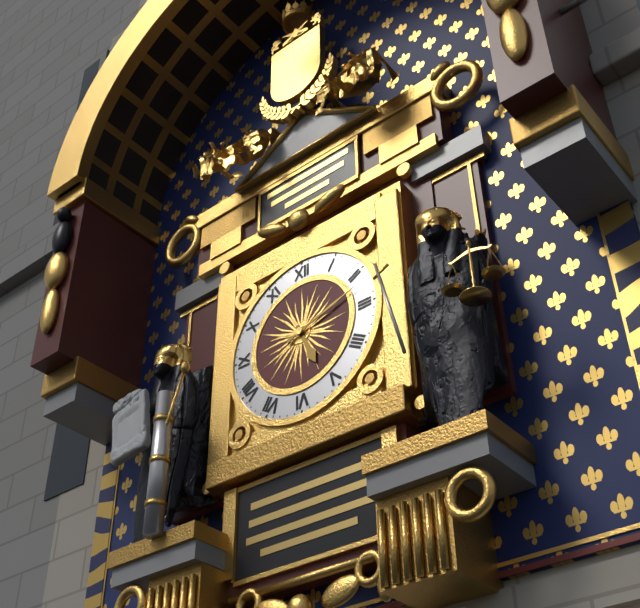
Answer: h=5 m=12
